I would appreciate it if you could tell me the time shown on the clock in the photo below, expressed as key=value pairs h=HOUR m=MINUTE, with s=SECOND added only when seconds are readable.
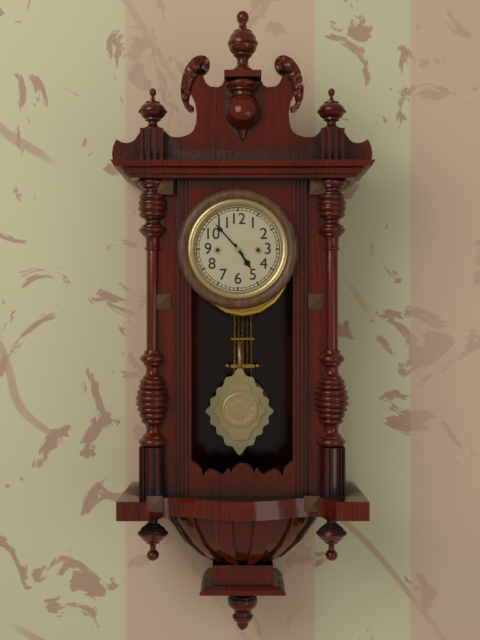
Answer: h=4 m=53
